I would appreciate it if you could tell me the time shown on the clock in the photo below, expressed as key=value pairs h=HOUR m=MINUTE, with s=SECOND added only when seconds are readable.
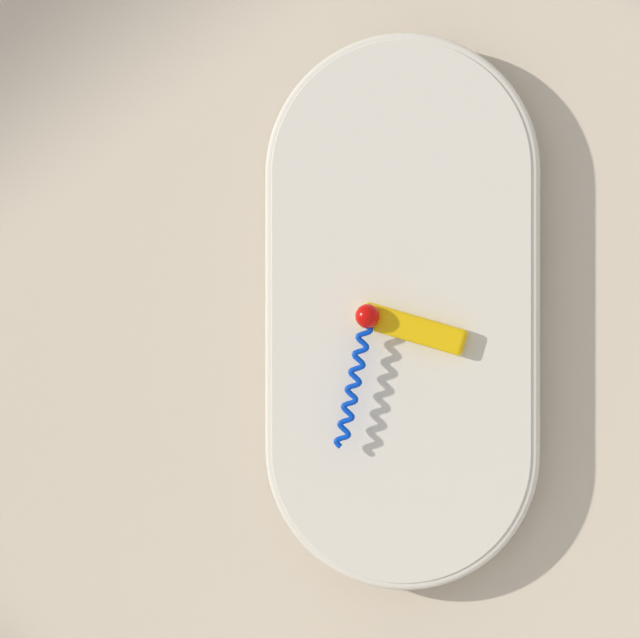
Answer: h=3 m=32
